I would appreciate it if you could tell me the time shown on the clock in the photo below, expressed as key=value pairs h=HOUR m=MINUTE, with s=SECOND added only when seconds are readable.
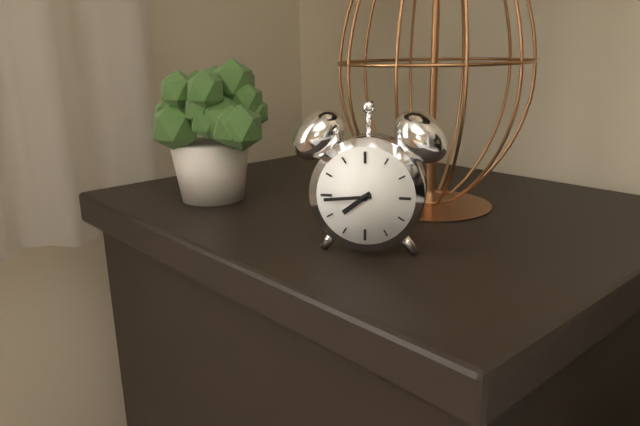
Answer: h=7 m=44
